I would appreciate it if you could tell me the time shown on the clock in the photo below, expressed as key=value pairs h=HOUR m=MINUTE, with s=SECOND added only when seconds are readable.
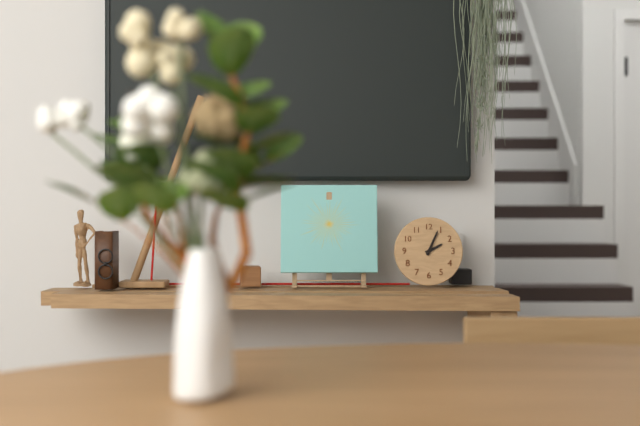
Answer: h=2 m=4
